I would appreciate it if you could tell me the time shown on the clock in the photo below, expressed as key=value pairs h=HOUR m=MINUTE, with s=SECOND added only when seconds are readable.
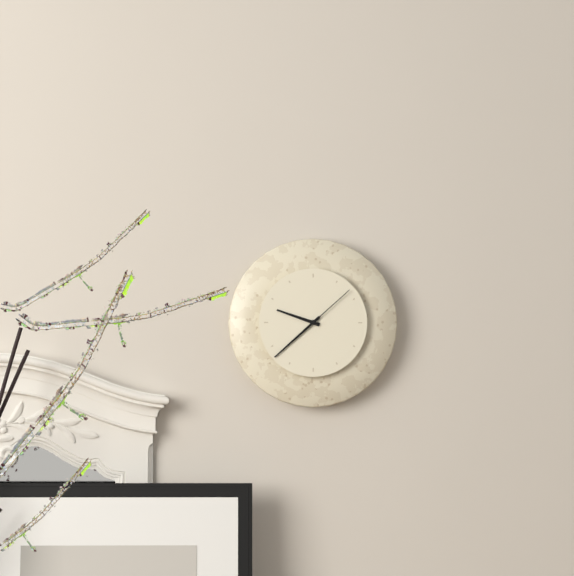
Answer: h=9 m=38 s=8
